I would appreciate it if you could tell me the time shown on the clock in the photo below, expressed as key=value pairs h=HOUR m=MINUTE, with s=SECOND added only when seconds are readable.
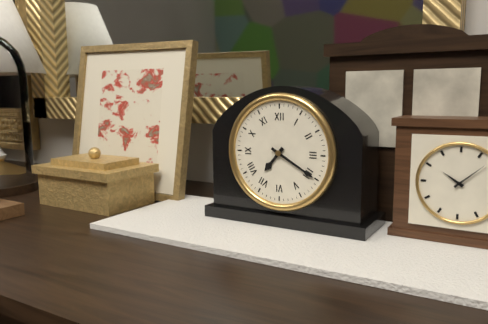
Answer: h=7 m=20
